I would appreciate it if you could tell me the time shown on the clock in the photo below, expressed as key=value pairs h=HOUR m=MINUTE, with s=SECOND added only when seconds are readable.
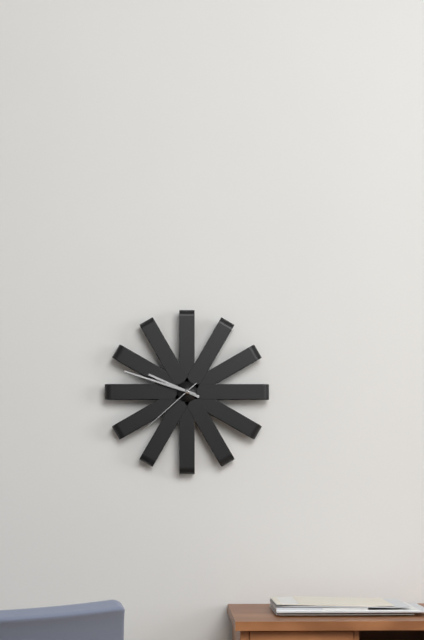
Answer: h=9 m=48 s=38
